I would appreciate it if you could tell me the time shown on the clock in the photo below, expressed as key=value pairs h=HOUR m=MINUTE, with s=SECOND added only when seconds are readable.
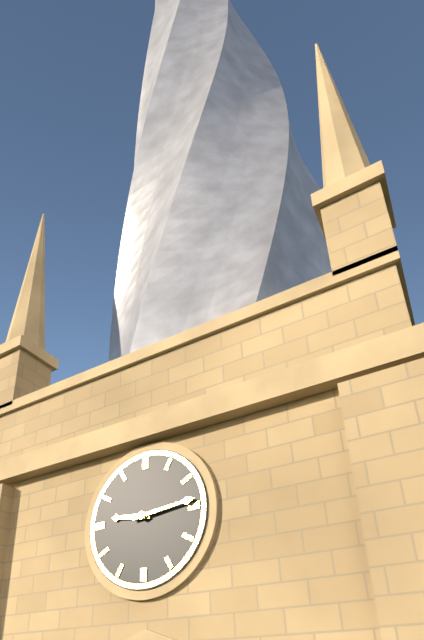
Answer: h=9 m=14
